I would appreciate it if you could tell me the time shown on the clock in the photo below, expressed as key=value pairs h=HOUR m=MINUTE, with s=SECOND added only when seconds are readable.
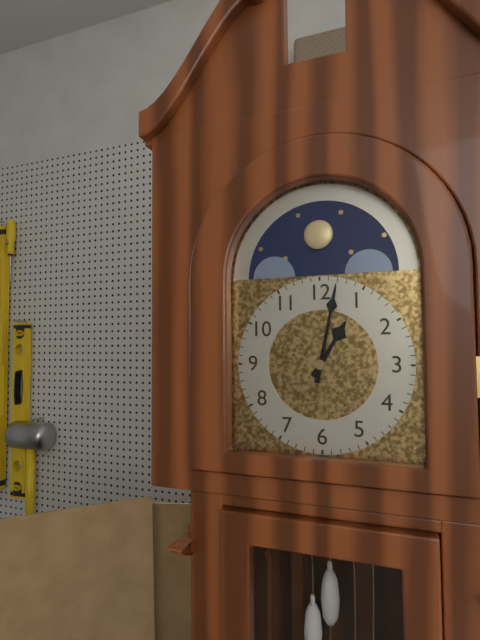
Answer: h=1 m=2
